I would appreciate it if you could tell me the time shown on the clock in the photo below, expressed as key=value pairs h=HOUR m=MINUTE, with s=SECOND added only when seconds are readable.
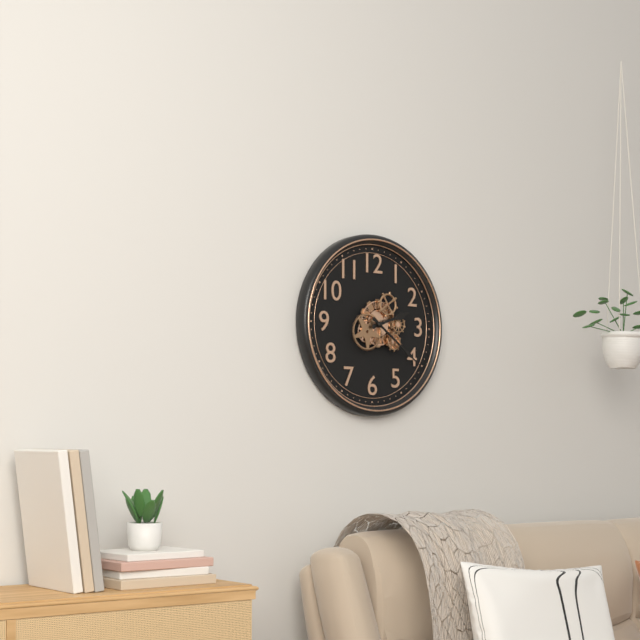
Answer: h=2 m=21
